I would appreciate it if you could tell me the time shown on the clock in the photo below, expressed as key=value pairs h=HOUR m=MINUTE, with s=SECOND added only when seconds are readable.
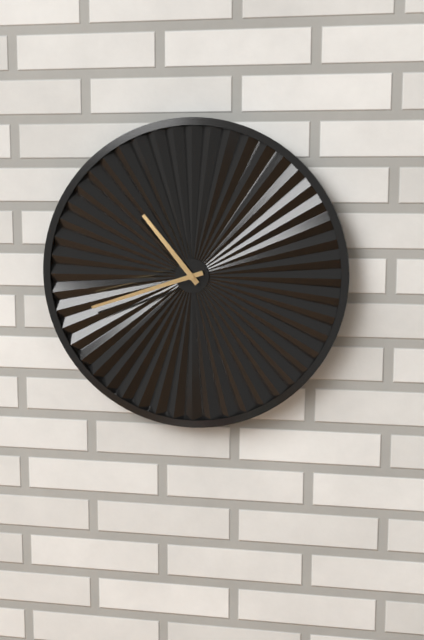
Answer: h=10 m=42
